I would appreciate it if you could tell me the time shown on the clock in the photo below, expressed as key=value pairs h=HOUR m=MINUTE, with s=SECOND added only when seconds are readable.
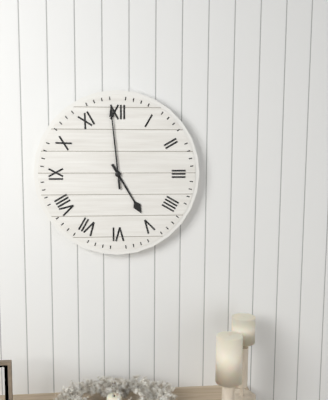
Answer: h=4 m=59
